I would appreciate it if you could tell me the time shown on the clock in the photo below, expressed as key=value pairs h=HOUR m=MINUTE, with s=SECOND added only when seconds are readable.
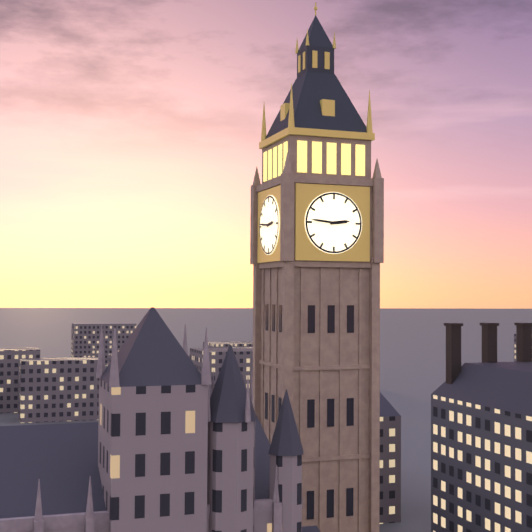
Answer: h=2 m=46
